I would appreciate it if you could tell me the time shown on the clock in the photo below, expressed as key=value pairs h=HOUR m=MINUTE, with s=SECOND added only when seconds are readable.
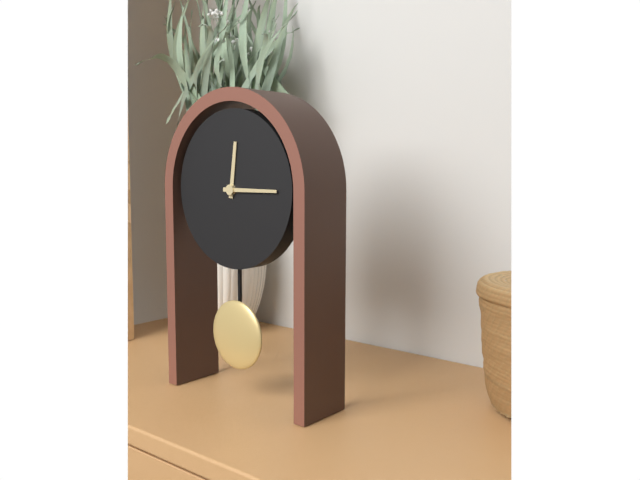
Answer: h=12 m=15
